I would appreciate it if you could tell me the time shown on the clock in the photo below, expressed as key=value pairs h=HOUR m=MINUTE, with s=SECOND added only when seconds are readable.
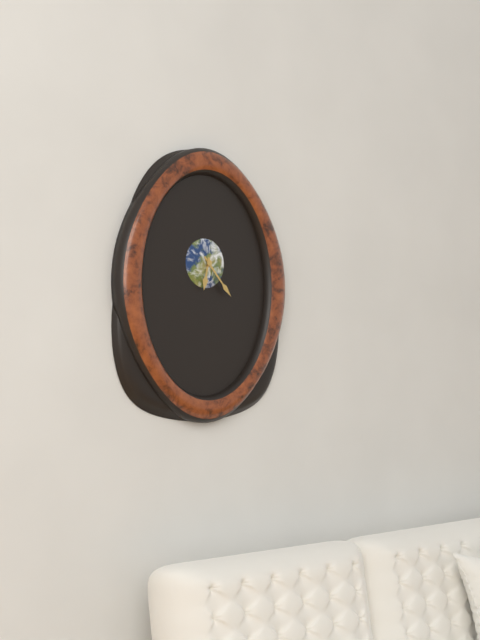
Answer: h=6 m=23
